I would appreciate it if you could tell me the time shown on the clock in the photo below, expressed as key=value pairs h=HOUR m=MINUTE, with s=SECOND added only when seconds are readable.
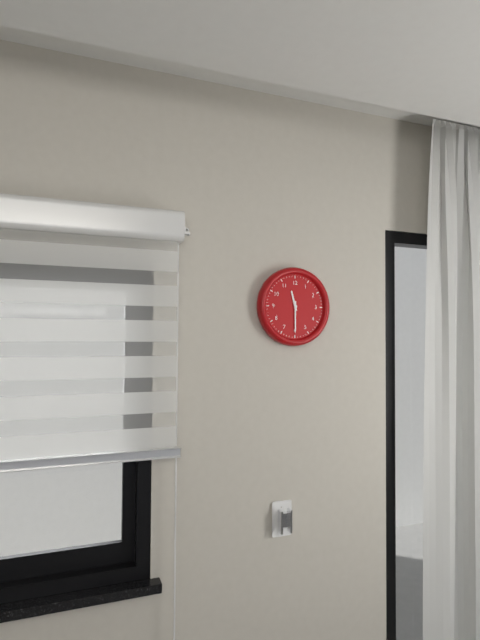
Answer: h=11 m=30
